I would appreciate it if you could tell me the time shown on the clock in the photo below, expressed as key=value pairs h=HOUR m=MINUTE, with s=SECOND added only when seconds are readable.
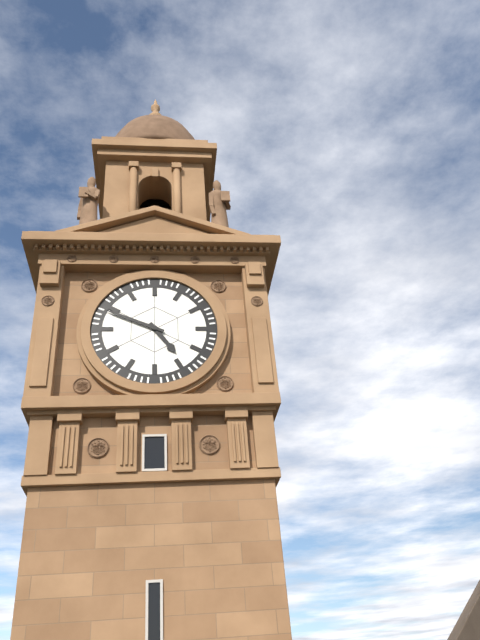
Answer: h=4 m=49
